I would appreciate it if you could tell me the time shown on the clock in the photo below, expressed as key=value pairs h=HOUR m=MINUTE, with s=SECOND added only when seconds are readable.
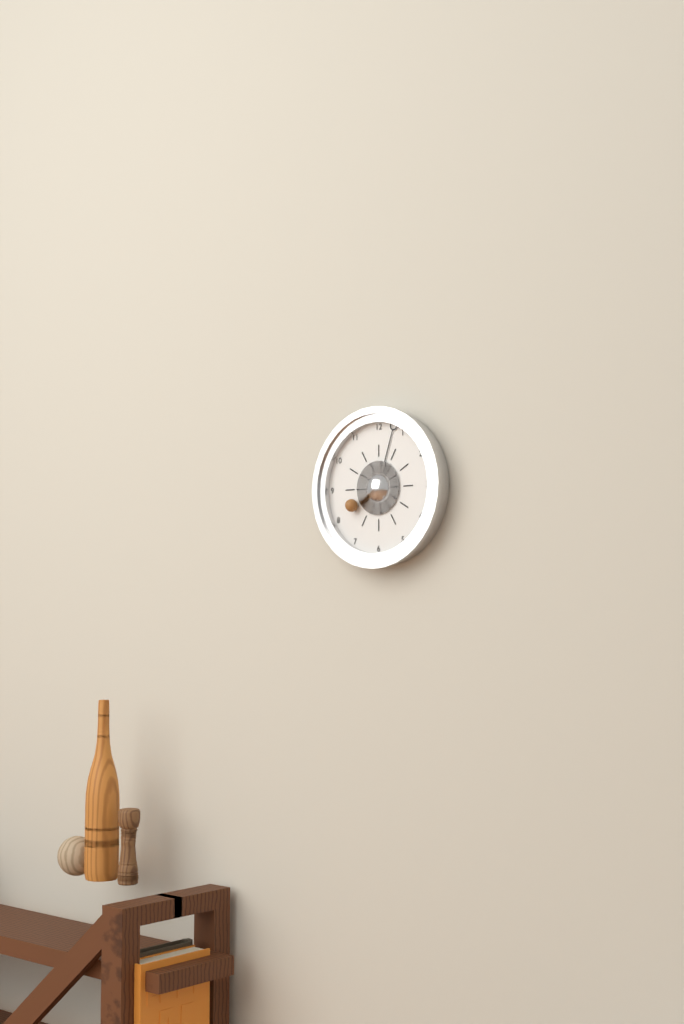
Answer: h=8 m=3
